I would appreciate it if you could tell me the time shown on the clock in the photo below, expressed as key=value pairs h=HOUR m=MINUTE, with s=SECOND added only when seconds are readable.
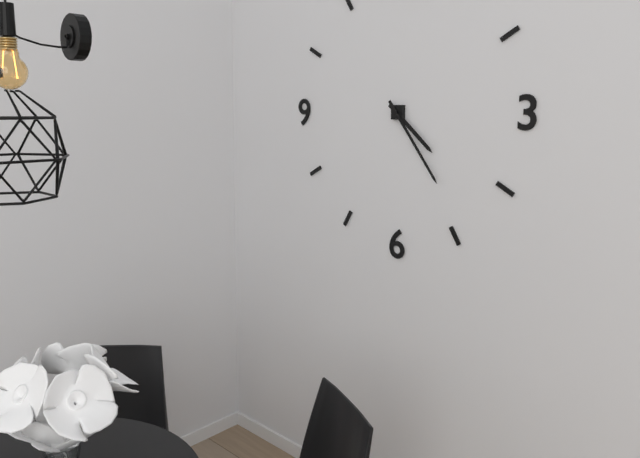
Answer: h=4 m=24
